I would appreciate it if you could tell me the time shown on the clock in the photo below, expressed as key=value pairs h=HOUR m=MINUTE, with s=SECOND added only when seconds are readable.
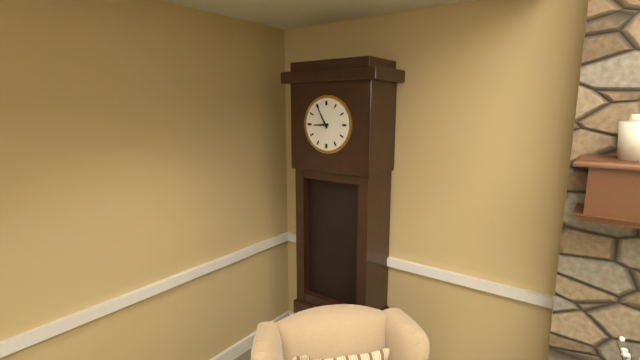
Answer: h=8 m=55
